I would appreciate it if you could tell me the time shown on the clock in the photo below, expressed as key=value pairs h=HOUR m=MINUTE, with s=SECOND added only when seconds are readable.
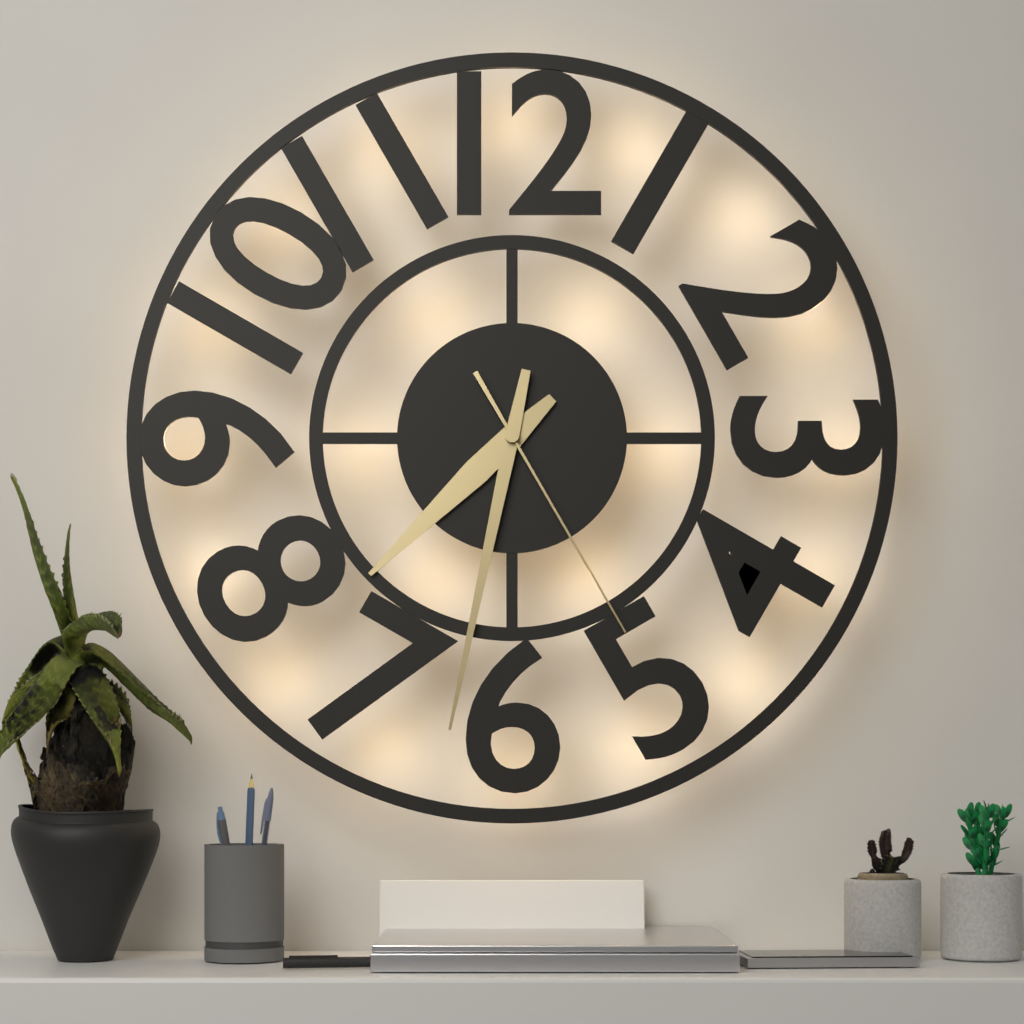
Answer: h=7 m=32 s=25
